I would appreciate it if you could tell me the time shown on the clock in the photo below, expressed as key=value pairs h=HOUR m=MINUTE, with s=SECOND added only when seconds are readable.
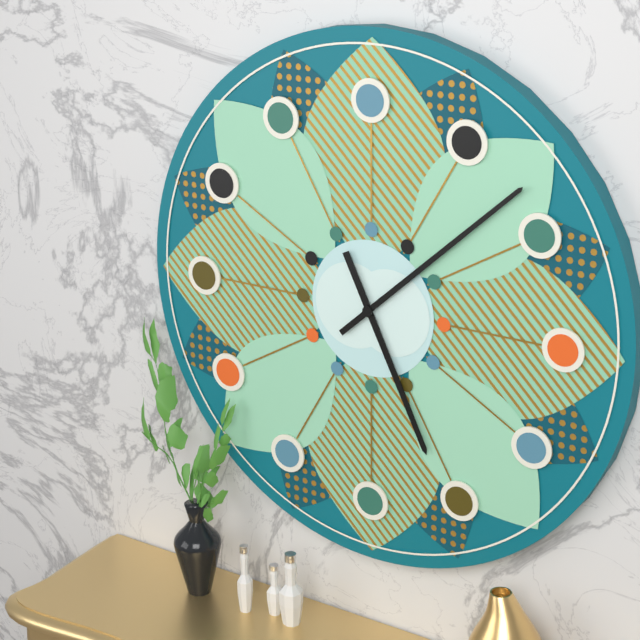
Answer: h=5 m=8
